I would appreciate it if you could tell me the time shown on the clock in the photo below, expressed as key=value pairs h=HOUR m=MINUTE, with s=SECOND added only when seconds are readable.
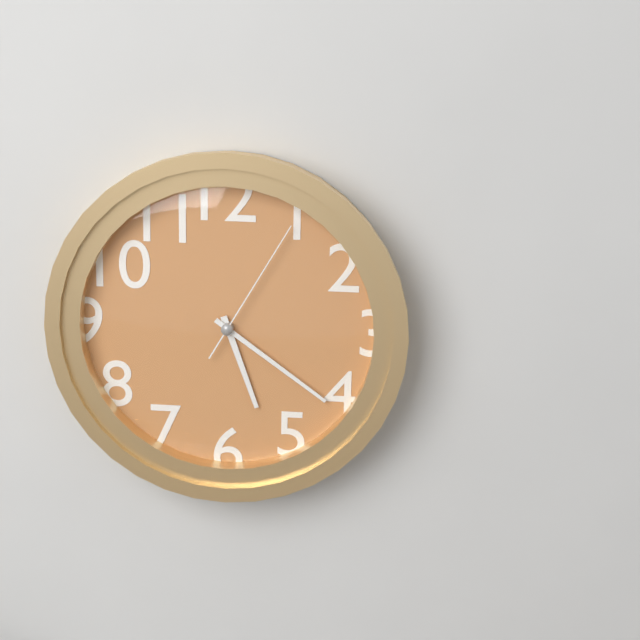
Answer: h=5 m=21 s=5
